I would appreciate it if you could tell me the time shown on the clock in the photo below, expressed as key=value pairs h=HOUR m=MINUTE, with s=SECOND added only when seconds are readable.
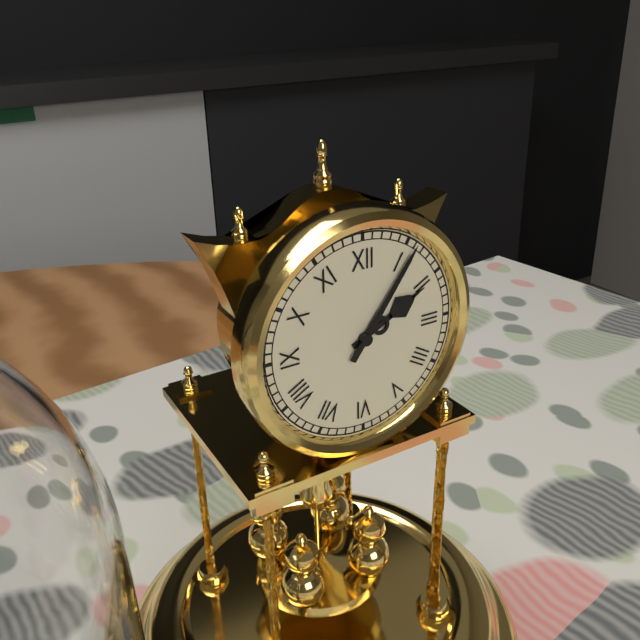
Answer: h=2 m=6
